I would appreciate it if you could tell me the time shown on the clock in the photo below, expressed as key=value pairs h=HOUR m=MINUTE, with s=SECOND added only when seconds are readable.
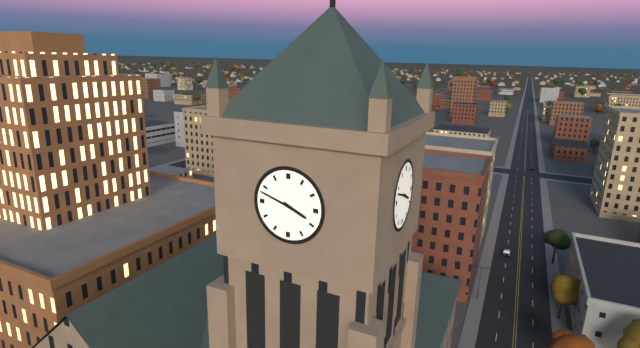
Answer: h=3 m=48
